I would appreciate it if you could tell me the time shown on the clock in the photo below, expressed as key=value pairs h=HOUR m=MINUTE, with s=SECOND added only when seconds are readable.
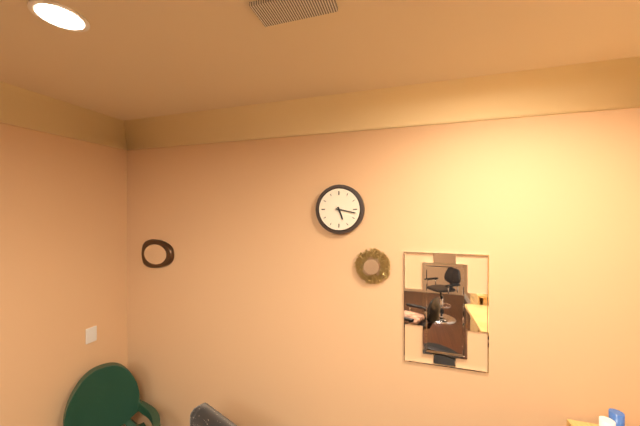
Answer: h=5 m=17
